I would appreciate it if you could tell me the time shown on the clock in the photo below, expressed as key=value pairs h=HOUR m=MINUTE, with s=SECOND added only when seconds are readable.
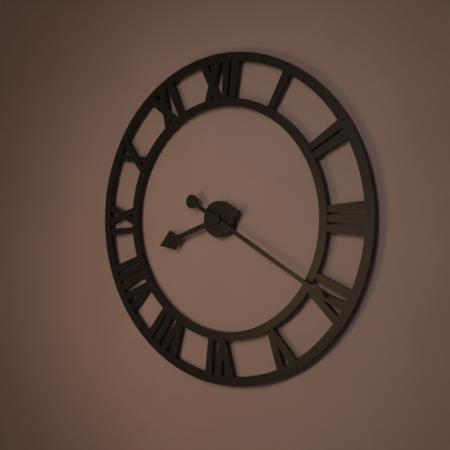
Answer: h=8 m=20
